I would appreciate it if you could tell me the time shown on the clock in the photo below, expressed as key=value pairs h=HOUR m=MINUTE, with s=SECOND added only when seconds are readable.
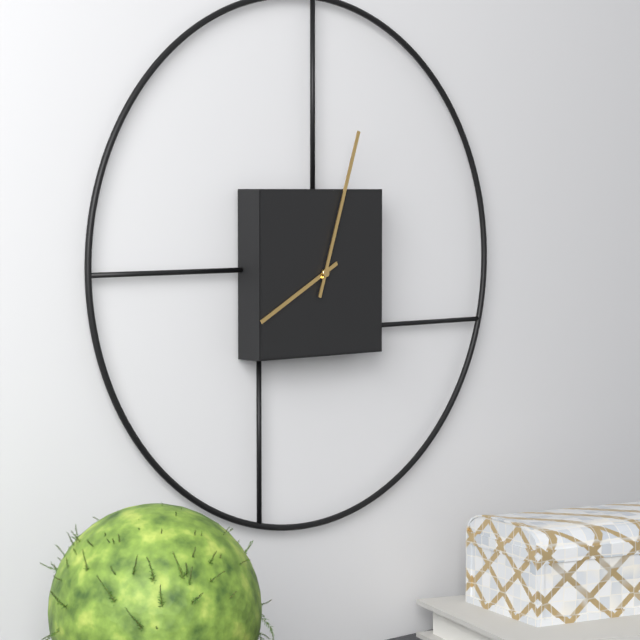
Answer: h=8 m=3
